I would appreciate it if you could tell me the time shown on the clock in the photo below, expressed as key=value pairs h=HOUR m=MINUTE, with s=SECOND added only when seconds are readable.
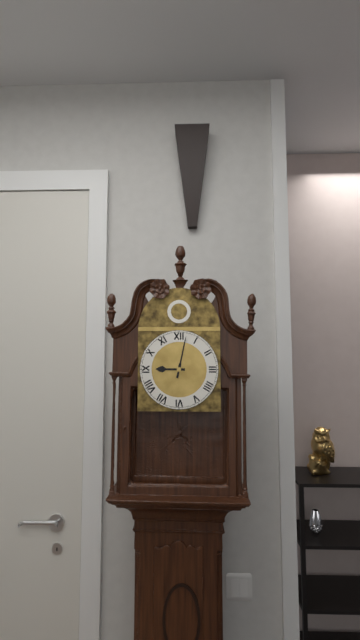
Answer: h=9 m=2
